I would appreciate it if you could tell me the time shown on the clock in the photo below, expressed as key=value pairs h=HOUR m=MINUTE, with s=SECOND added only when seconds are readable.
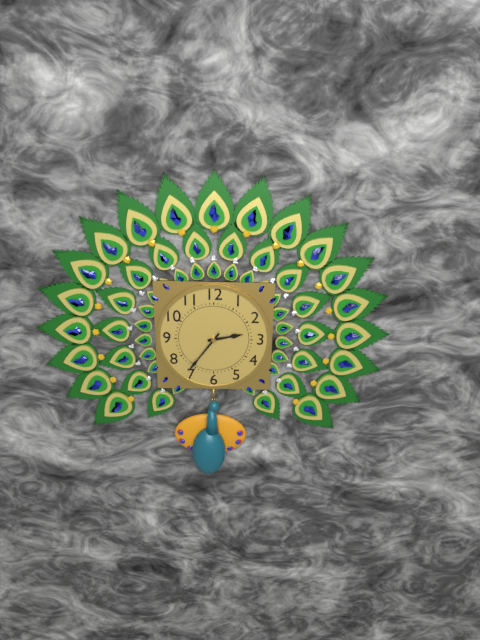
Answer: h=2 m=36
